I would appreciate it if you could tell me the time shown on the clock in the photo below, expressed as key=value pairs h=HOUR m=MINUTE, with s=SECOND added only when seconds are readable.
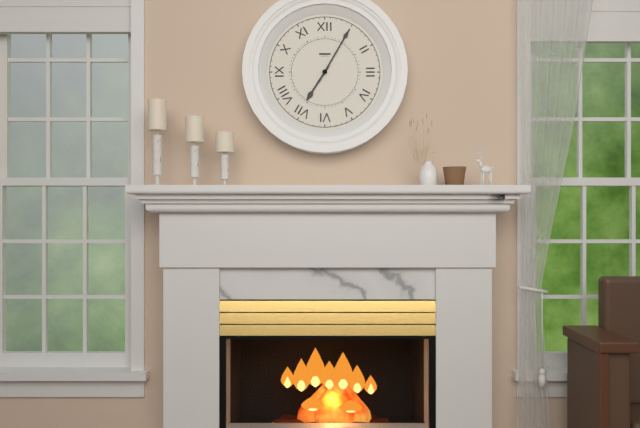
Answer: h=7 m=5
